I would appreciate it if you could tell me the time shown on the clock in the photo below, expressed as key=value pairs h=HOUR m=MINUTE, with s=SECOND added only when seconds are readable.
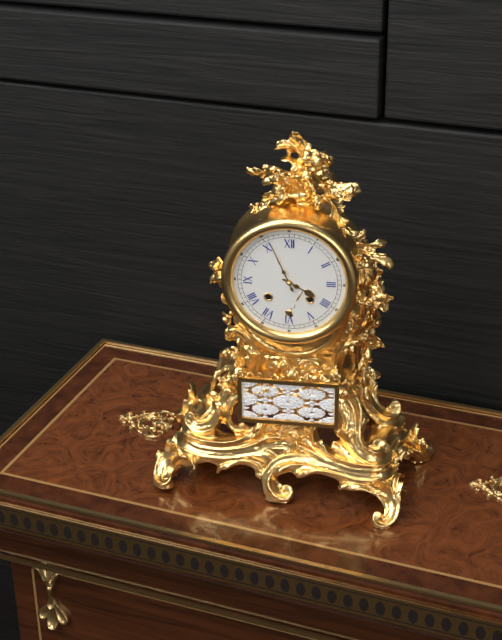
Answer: h=3 m=56
